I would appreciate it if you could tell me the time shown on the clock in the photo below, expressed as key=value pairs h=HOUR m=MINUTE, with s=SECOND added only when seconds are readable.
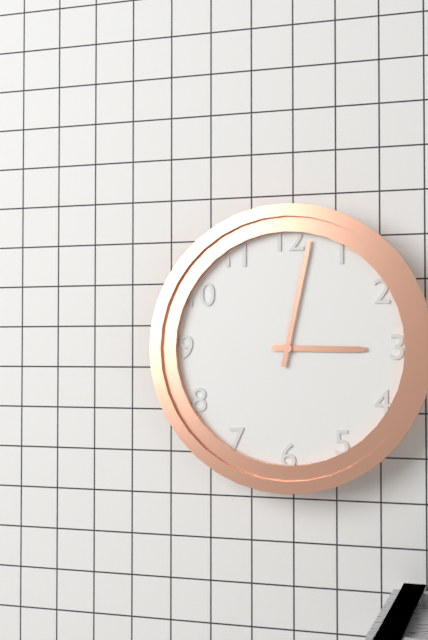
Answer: h=3 m=2
